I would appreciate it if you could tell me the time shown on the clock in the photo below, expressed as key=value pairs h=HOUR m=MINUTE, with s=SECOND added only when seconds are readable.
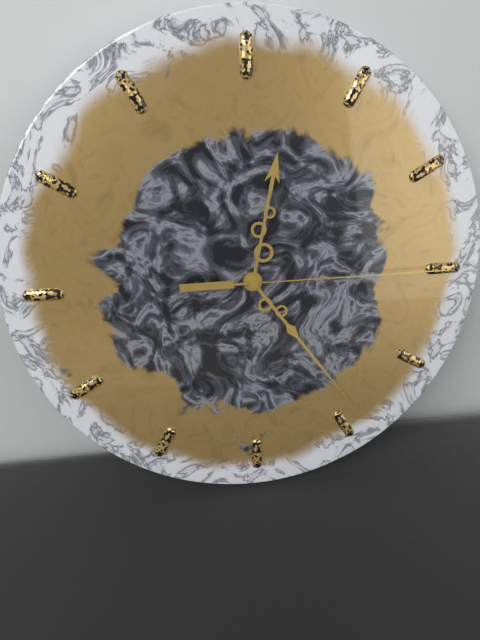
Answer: h=12 m=24 s=15
